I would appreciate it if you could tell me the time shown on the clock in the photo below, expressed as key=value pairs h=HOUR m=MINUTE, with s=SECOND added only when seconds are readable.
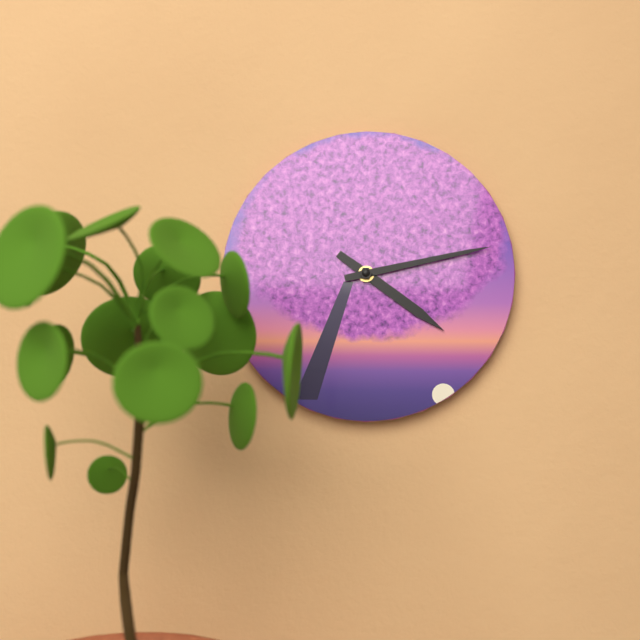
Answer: h=4 m=13
